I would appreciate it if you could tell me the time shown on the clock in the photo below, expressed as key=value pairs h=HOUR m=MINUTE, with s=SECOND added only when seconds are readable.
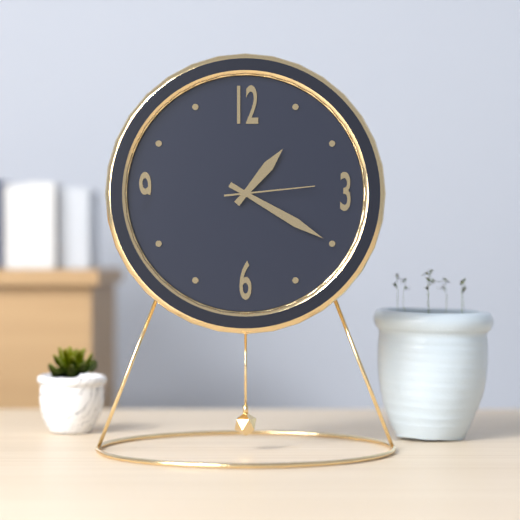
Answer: h=1 m=20 s=14
